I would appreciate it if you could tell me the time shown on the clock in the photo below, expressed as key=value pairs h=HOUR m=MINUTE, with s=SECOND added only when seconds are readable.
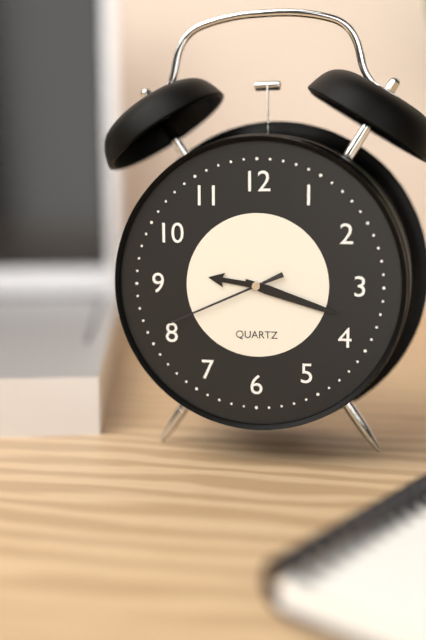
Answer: h=9 m=18 s=41
